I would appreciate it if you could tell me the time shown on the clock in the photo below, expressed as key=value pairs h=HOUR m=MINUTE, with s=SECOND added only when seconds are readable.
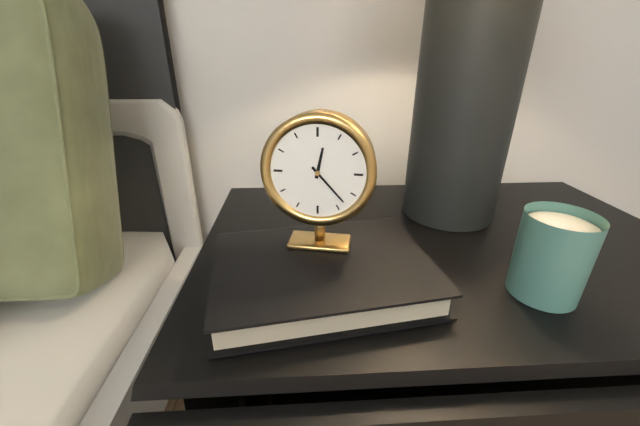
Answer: h=12 m=23
